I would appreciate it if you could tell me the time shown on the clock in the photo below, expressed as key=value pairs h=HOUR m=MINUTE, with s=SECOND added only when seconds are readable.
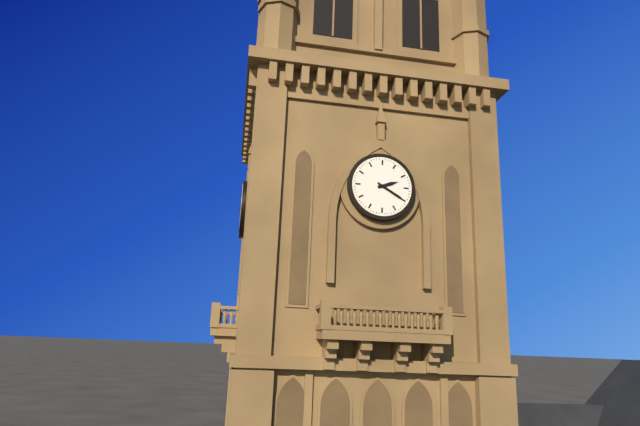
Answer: h=2 m=20
